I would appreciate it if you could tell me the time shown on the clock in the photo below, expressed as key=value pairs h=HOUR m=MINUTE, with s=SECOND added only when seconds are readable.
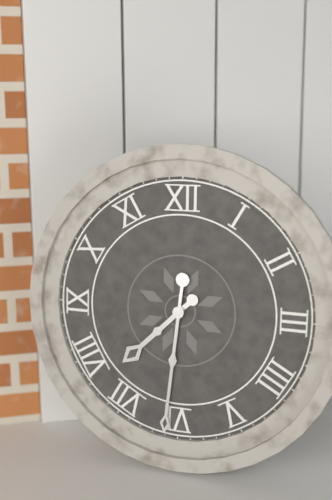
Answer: h=7 m=31
